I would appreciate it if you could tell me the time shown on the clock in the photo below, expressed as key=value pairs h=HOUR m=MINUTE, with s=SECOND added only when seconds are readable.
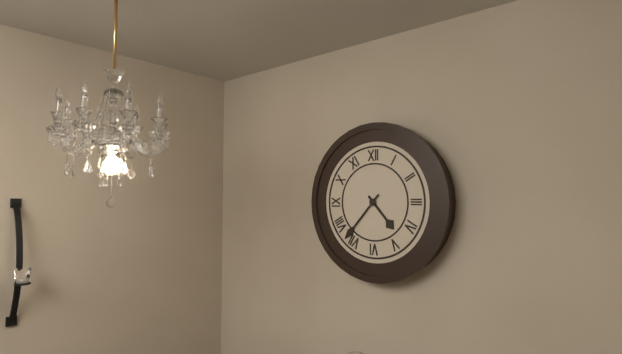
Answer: h=4 m=37
